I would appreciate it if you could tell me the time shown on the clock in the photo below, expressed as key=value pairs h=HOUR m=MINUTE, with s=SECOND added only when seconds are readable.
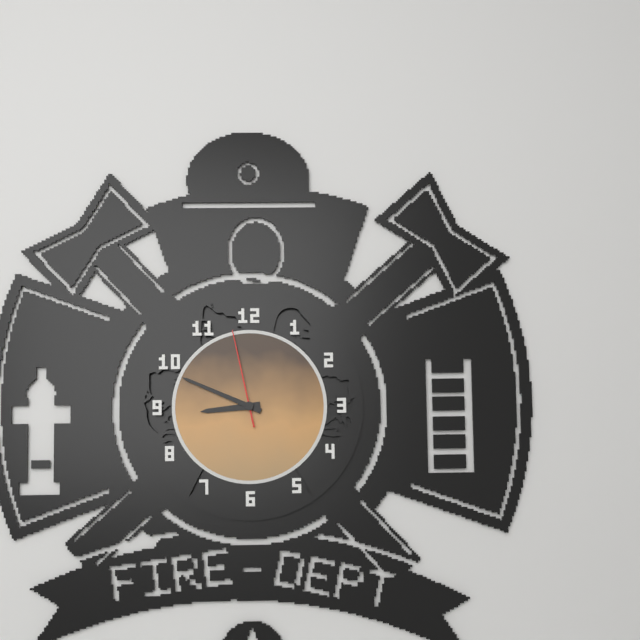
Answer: h=8 m=49 s=58
